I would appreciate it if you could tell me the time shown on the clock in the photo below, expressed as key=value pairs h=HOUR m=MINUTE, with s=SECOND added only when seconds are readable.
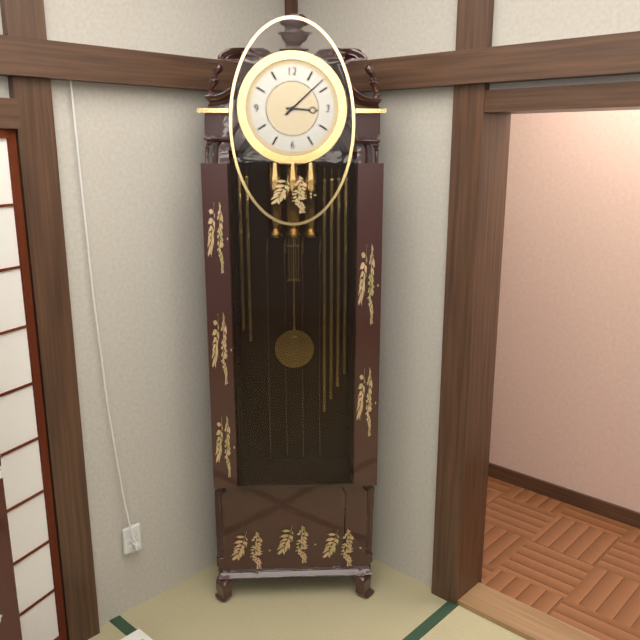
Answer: h=3 m=8
